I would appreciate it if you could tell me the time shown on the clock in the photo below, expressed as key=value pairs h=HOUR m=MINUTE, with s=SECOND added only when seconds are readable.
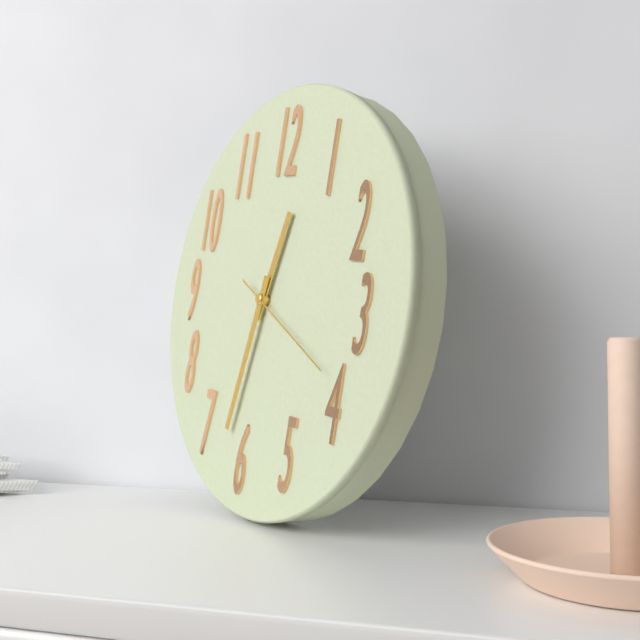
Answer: h=12 m=32 s=19
